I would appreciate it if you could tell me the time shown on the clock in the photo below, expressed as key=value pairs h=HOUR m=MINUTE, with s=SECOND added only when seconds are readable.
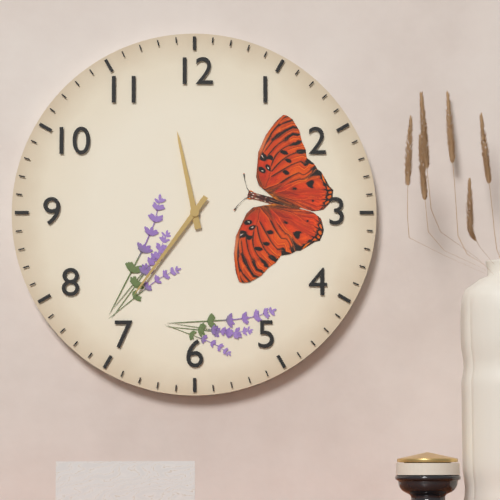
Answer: h=11 m=36
